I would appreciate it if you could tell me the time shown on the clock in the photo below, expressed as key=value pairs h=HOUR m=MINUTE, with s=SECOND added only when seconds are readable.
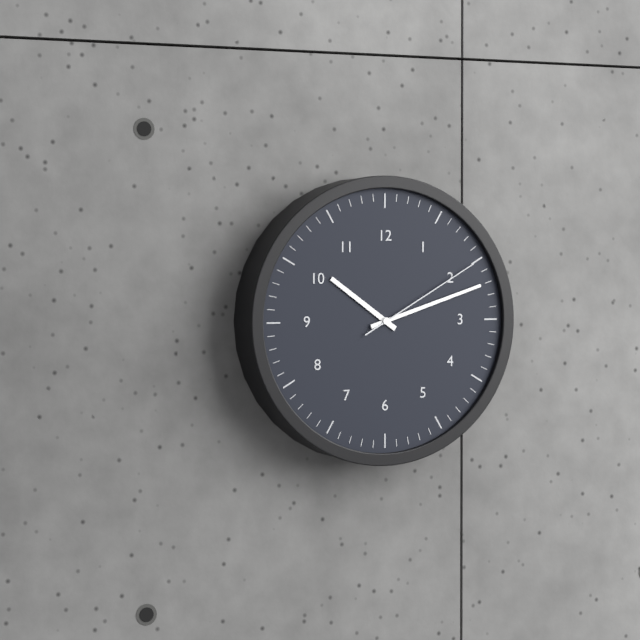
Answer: h=10 m=12 s=10
